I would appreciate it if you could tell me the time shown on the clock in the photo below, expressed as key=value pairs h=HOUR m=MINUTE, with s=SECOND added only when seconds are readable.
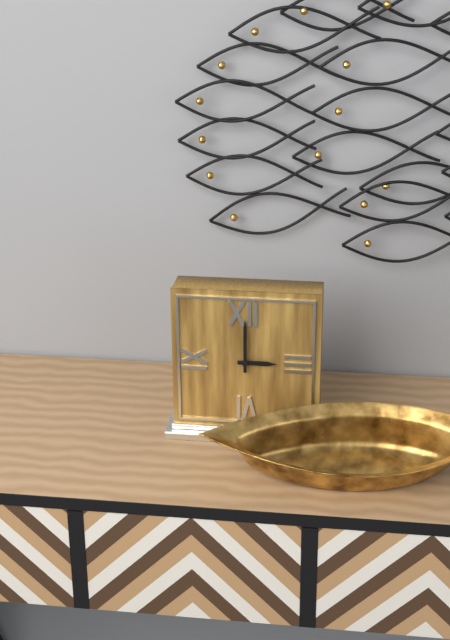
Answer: h=3 m=0
